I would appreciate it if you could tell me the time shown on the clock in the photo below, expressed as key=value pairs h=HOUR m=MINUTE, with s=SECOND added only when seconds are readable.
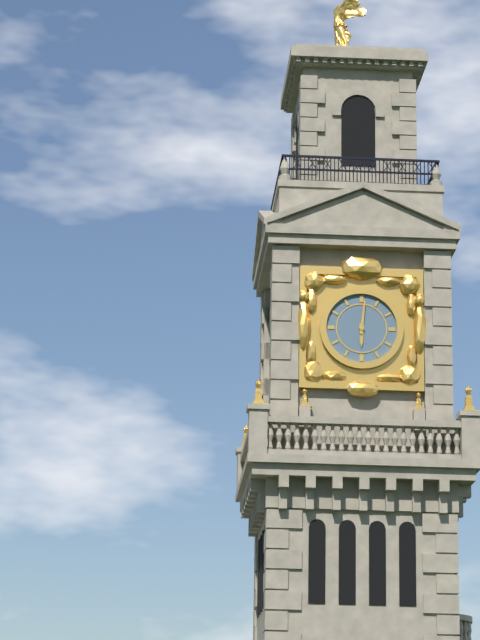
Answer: h=6 m=1
